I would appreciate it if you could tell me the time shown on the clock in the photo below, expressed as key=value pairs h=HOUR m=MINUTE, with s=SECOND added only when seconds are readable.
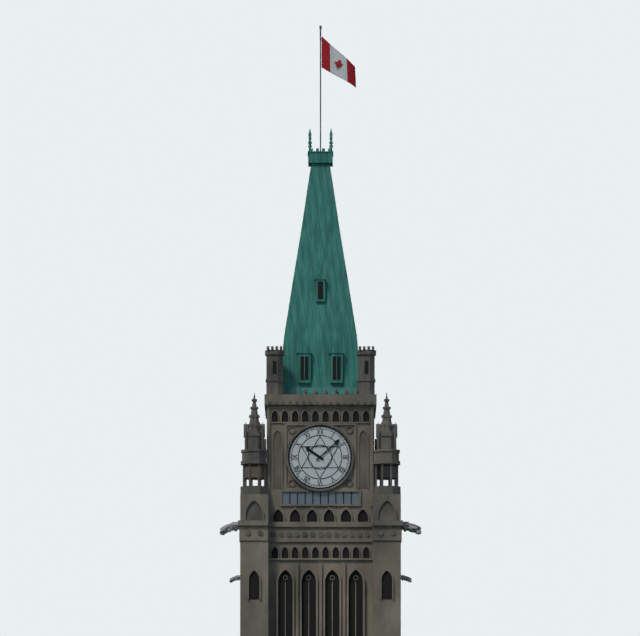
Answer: h=10 m=8
